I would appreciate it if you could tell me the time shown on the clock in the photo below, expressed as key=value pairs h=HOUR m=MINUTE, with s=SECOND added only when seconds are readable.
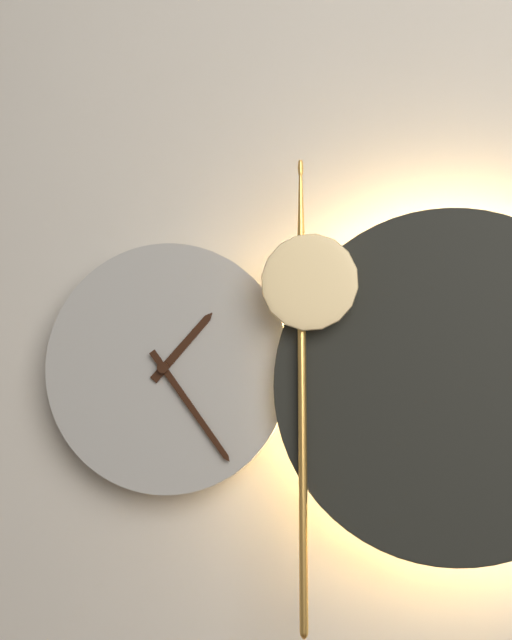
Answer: h=1 m=24
